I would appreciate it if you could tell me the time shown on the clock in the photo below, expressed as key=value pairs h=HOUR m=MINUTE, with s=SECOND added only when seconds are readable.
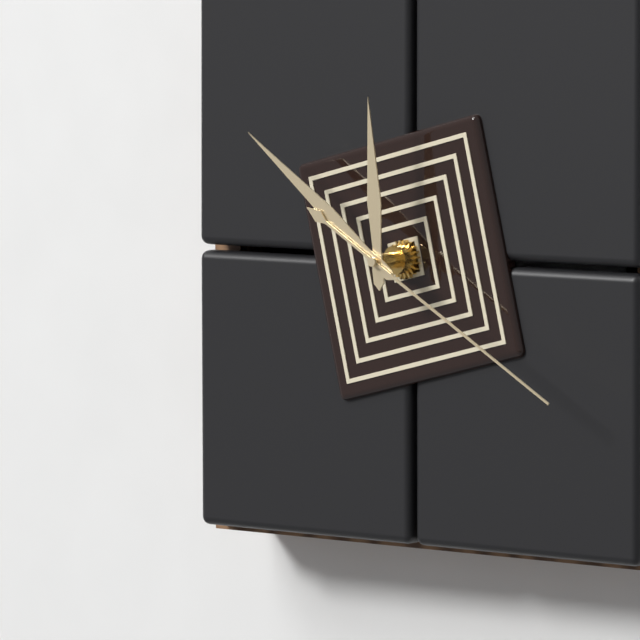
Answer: h=11 m=51 s=20
